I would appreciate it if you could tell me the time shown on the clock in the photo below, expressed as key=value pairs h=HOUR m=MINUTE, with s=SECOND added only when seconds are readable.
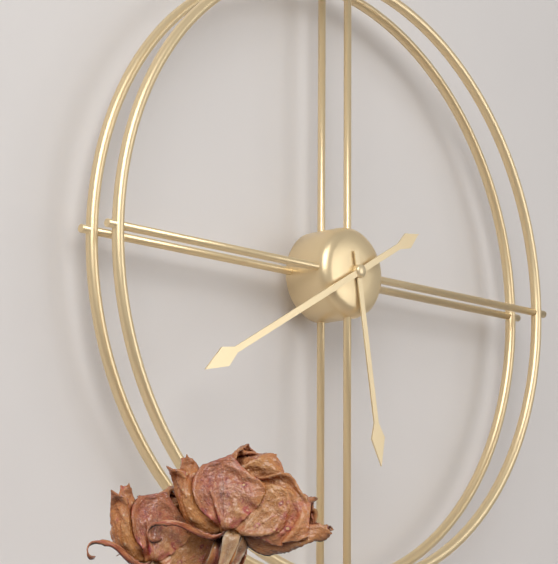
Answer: h=5 m=40
